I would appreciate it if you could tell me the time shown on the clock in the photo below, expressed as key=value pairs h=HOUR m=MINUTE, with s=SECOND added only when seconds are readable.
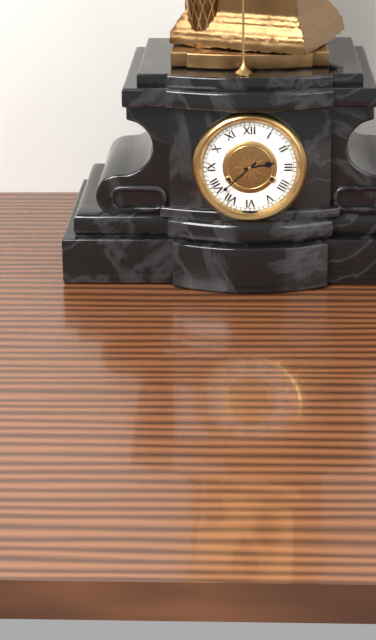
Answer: h=2 m=38
